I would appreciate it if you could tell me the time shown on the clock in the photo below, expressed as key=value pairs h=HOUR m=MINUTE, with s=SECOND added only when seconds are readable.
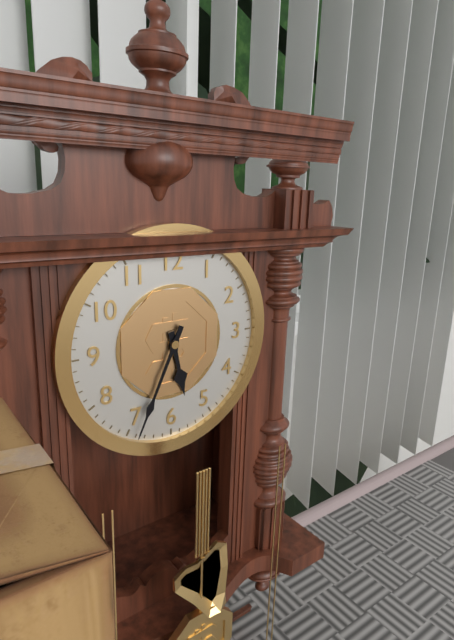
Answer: h=5 m=34
